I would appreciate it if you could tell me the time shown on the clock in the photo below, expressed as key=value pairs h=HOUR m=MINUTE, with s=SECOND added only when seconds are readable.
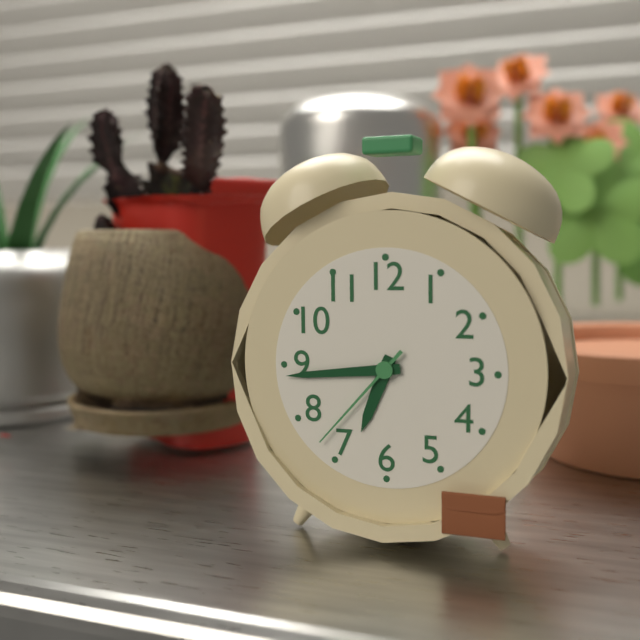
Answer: h=6 m=44 s=37
